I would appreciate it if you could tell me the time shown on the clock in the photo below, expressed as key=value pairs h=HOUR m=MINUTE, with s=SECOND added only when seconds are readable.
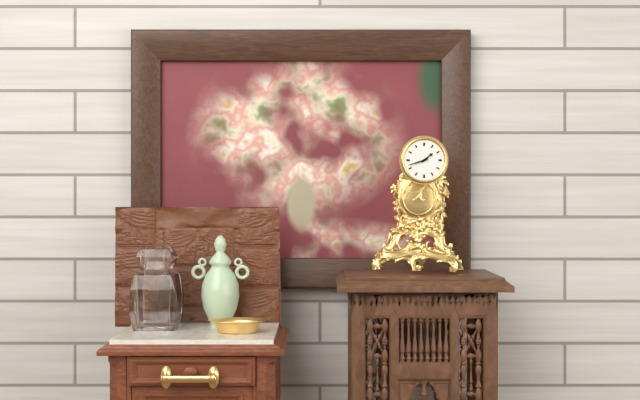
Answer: h=1 m=42
